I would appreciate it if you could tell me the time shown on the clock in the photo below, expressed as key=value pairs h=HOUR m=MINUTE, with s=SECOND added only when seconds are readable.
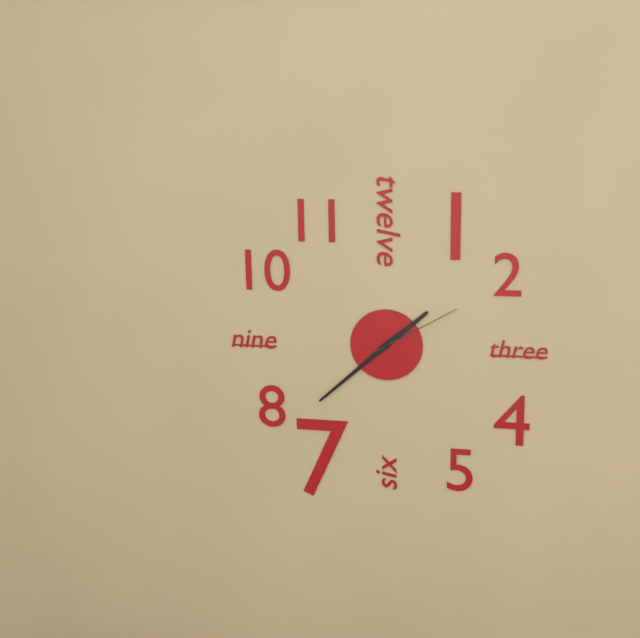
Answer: h=1 m=38 s=10
